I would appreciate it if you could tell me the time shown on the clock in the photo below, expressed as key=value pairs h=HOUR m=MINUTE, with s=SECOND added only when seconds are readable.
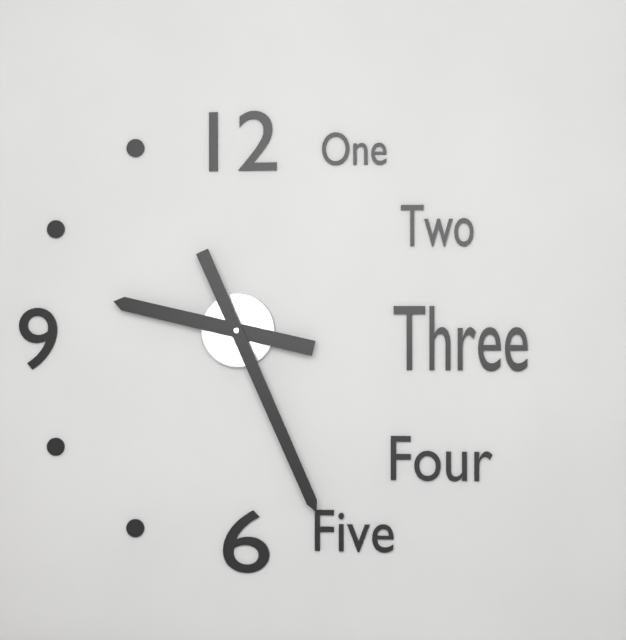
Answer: h=9 m=26
